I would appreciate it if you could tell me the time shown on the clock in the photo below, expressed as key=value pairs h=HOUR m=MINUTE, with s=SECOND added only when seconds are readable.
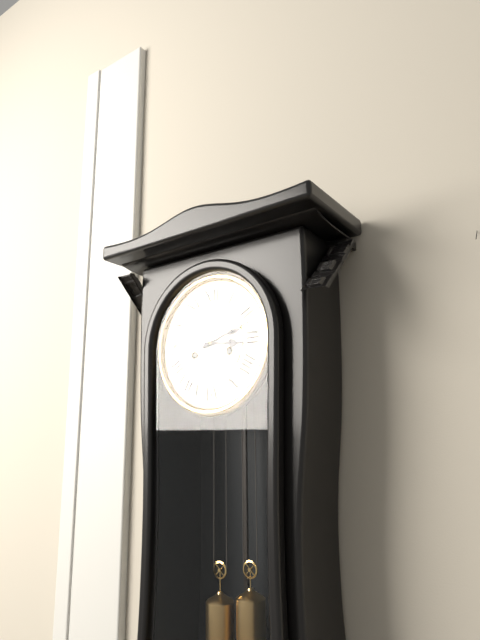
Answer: h=3 m=12
